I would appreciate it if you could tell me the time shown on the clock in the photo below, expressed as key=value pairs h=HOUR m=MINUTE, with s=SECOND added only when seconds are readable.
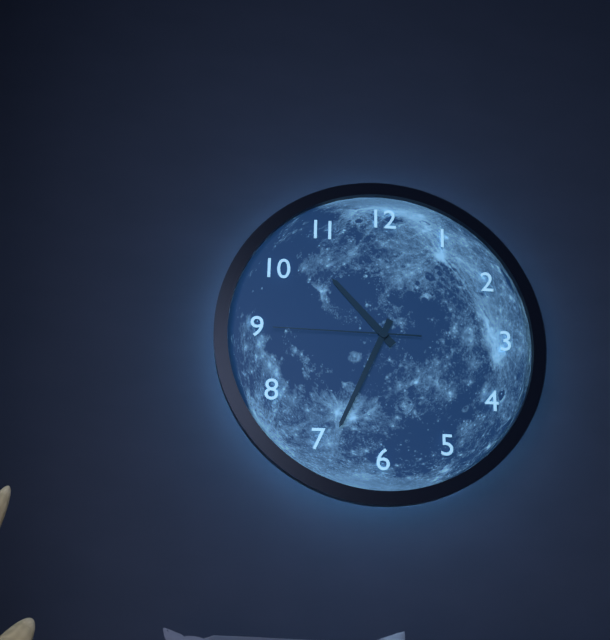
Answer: h=10 m=34 s=45
